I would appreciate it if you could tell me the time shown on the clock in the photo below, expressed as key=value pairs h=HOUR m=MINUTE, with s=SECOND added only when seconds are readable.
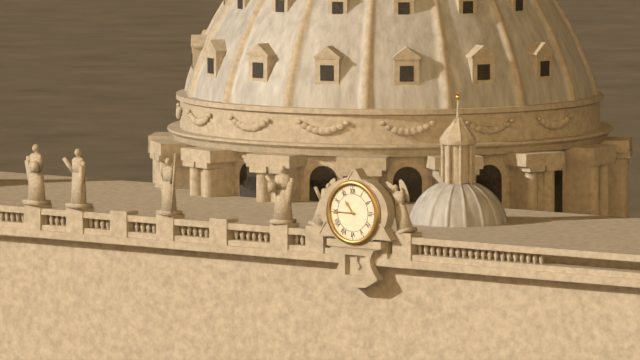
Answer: h=10 m=45
